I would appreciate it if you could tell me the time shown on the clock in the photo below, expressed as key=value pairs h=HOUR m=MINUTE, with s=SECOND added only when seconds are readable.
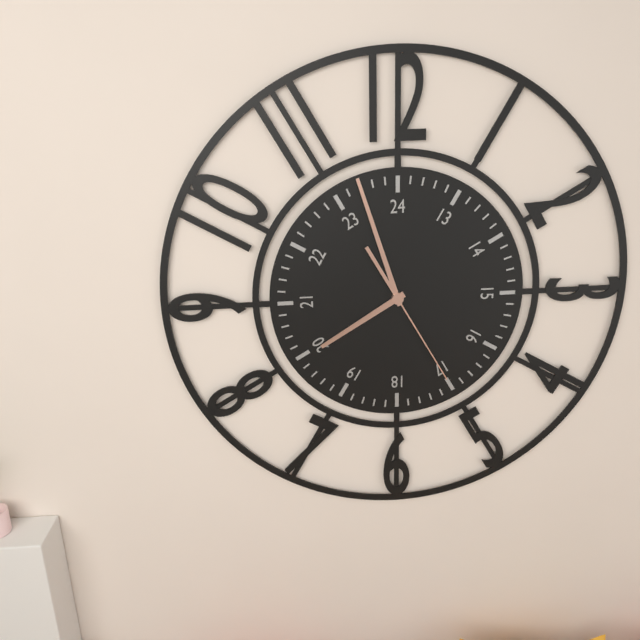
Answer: h=7 m=57 s=25
